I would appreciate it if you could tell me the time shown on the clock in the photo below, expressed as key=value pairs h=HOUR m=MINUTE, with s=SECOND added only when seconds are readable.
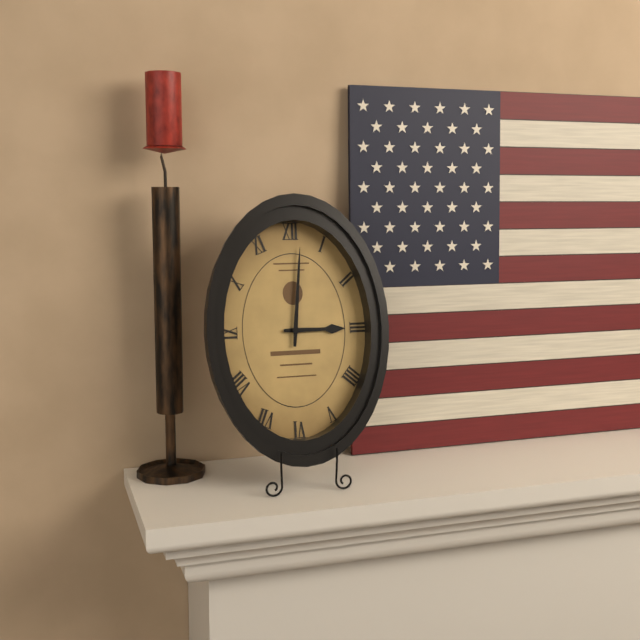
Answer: h=3 m=1
